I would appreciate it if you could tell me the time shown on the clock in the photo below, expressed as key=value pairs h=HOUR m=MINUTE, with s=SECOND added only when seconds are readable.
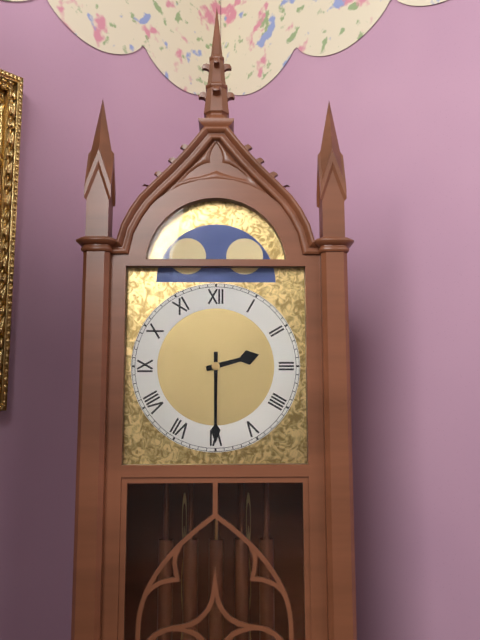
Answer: h=2 m=30
